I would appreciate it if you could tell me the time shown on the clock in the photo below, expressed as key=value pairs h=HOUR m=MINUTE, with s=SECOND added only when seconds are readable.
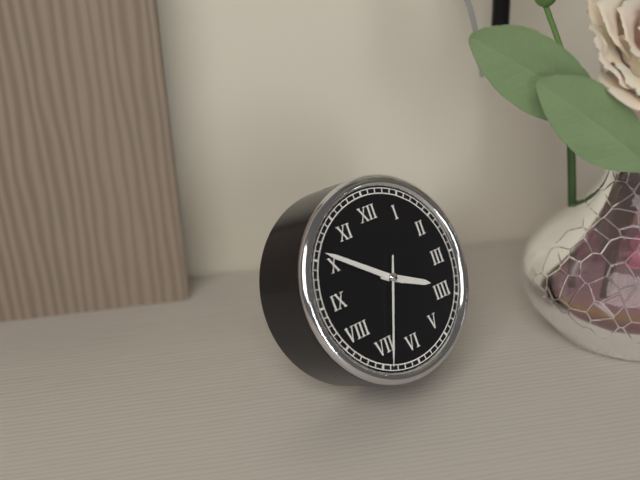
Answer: h=3 m=51 s=34
